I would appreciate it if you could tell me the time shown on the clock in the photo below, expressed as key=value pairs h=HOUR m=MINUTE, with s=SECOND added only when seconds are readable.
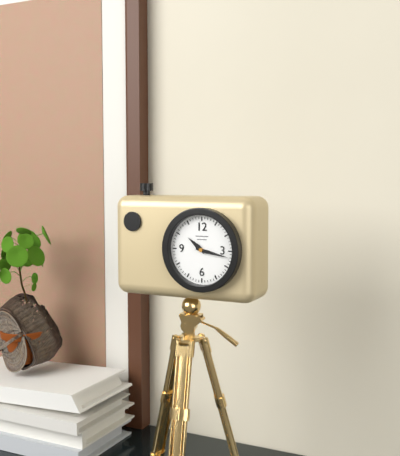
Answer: h=10 m=17
